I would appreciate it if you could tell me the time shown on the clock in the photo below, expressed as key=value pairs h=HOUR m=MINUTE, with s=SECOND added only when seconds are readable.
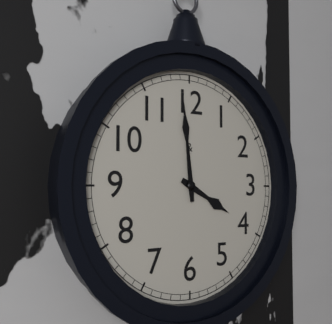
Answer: h=3 m=59
